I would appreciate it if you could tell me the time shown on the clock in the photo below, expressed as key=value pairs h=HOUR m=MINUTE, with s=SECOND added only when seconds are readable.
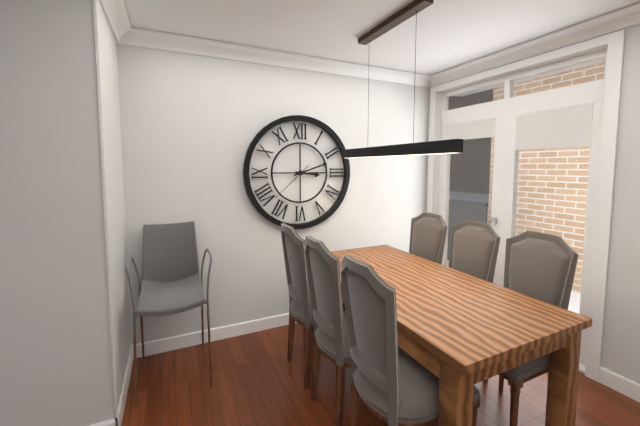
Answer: h=3 m=12
